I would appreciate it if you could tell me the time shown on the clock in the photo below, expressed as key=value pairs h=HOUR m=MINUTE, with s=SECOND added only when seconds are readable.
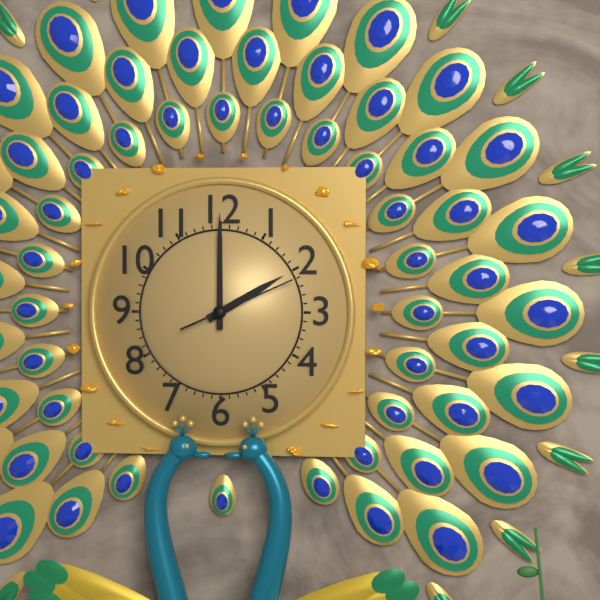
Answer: h=2 m=0 s=11
